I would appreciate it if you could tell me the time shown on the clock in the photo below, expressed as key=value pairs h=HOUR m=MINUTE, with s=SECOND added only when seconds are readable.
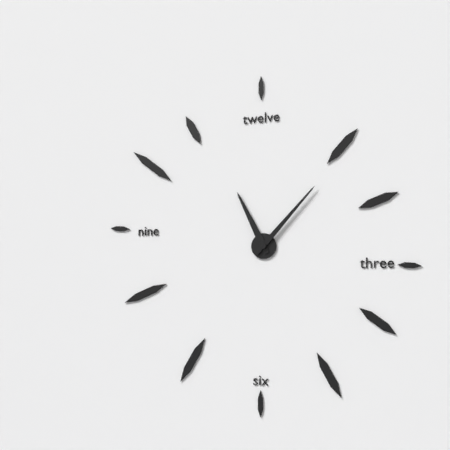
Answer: h=11 m=7
